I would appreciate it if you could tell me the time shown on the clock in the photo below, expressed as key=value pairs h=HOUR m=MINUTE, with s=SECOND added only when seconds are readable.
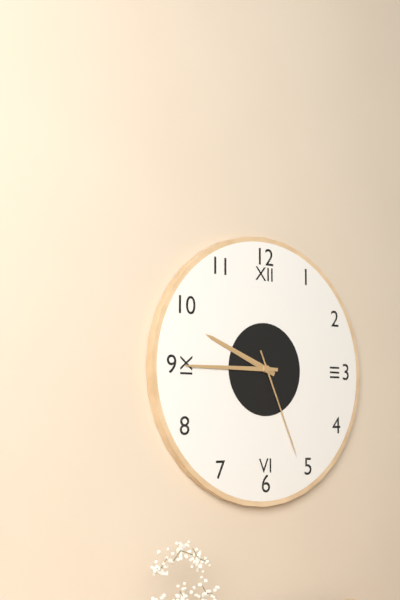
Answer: h=9 m=45 s=26
